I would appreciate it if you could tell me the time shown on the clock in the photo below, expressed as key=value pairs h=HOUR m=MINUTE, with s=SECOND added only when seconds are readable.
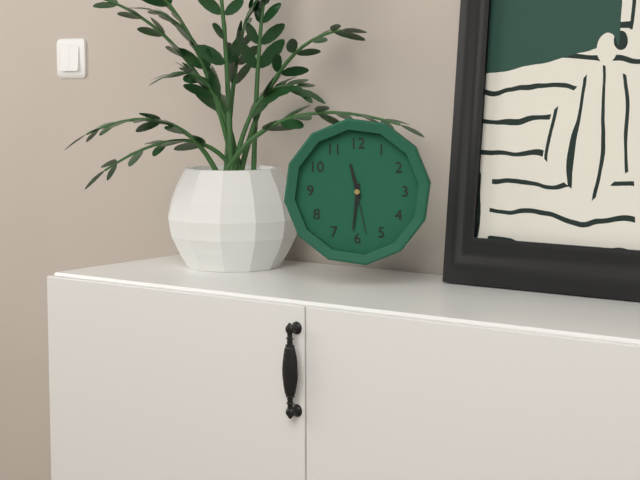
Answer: h=11 m=31 s=28
